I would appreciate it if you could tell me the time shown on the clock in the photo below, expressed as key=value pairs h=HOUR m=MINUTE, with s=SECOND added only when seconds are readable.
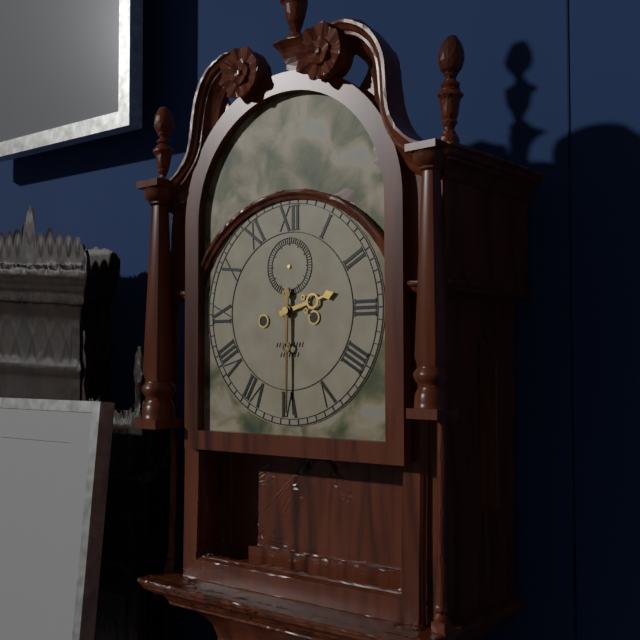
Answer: h=2 m=30
